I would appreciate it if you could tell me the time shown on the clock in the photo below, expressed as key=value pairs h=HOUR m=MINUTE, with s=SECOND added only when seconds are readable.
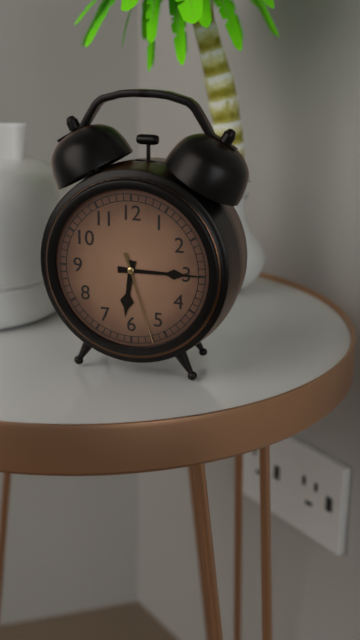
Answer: h=6 m=15 s=27
